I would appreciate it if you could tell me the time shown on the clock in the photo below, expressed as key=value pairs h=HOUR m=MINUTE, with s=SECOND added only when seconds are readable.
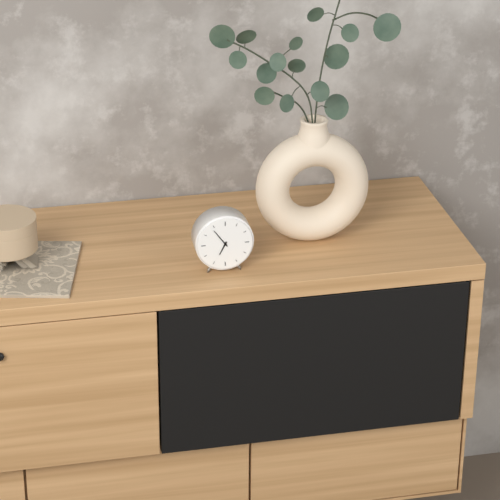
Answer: h=6 m=54
